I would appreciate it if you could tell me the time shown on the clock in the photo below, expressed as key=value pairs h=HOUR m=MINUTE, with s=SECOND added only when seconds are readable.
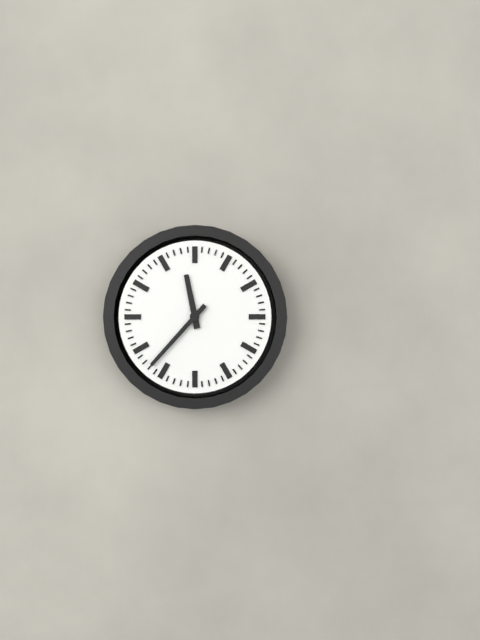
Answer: h=11 m=37
